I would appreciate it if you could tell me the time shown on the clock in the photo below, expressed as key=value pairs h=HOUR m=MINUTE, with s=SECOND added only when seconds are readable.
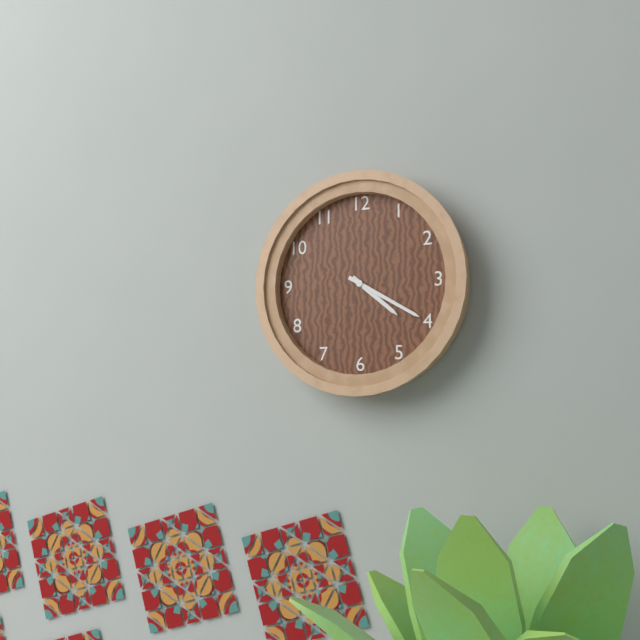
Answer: h=4 m=20
